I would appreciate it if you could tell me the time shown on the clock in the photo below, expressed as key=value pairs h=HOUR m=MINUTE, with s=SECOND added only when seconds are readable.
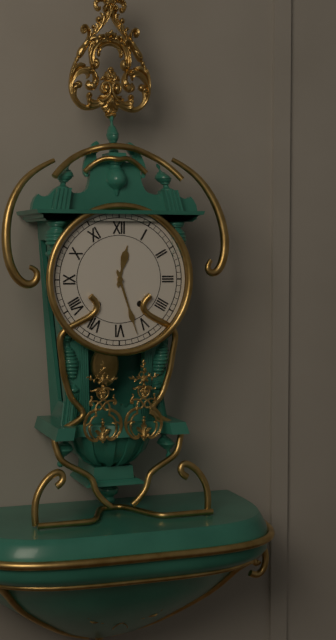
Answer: h=12 m=27
